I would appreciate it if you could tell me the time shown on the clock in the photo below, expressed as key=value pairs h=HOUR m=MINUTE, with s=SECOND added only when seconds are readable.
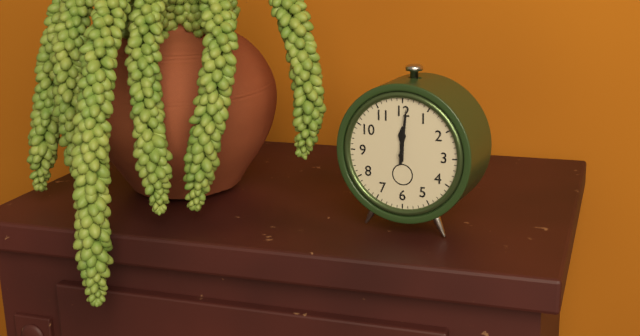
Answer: h=12 m=1
